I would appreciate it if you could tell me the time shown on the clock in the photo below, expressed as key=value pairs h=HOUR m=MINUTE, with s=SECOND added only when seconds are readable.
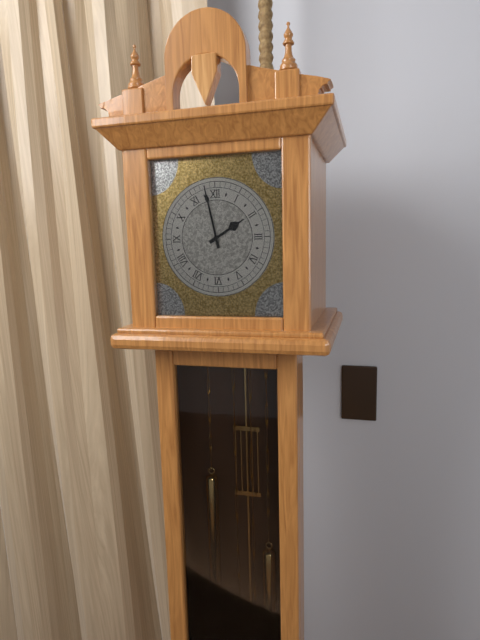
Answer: h=1 m=58
